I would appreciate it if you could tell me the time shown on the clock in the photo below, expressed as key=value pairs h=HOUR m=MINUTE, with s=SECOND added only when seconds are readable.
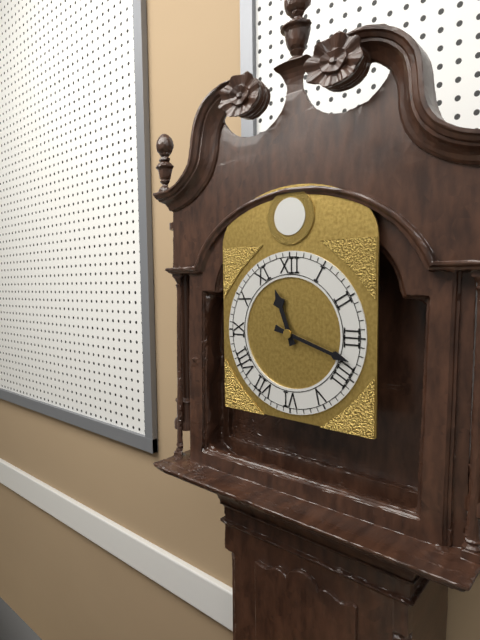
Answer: h=11 m=18
